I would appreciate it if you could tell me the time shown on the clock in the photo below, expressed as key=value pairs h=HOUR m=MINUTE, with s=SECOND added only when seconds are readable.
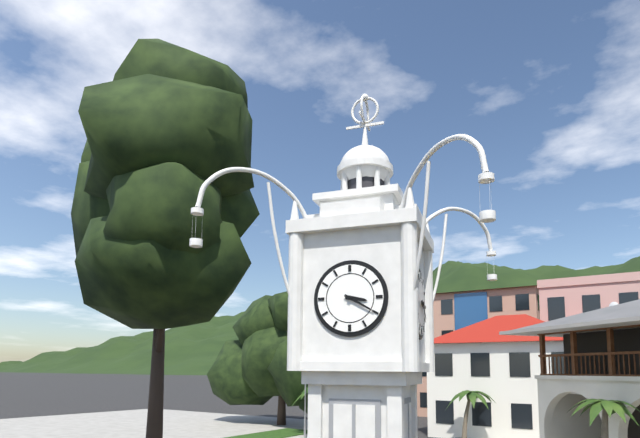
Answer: h=3 m=20
